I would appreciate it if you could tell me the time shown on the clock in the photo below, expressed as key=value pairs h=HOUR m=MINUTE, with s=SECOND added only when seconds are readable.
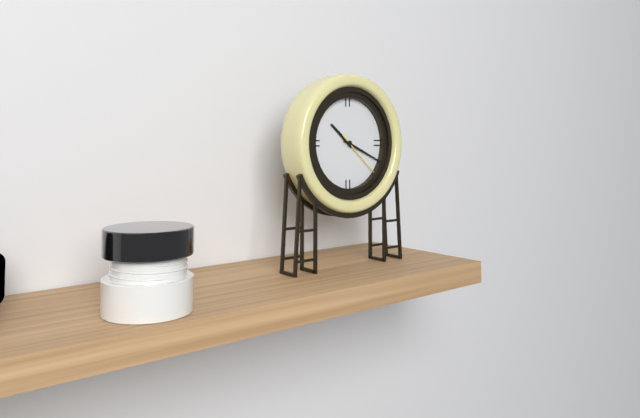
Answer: h=10 m=19
